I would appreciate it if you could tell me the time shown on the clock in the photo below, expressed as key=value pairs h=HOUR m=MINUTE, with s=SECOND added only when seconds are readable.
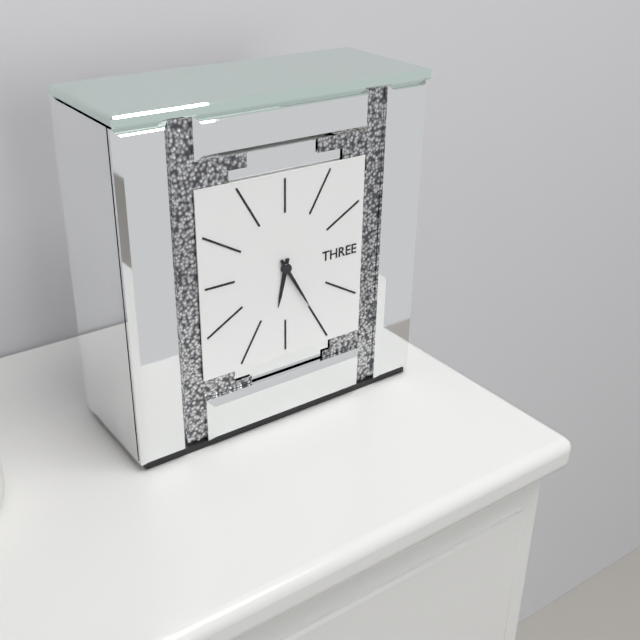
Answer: h=6 m=25
